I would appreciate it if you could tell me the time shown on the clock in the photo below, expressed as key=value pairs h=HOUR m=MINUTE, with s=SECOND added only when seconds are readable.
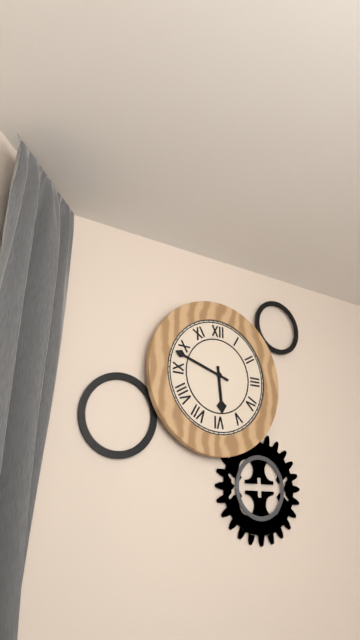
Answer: h=5 m=48
